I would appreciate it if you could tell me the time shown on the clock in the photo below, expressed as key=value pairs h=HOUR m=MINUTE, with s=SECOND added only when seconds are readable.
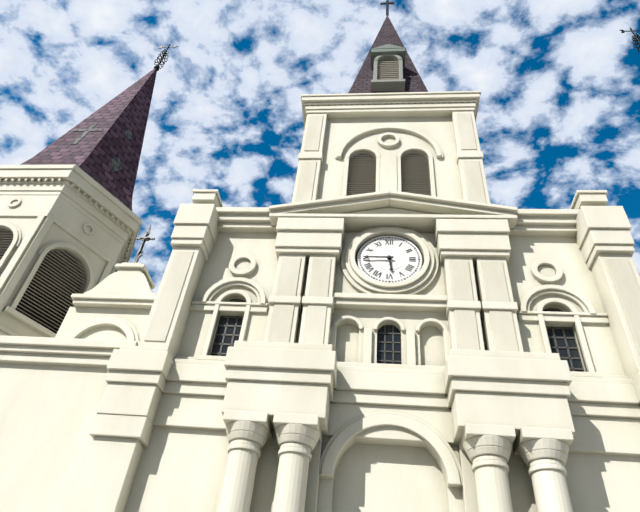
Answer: h=5 m=45
